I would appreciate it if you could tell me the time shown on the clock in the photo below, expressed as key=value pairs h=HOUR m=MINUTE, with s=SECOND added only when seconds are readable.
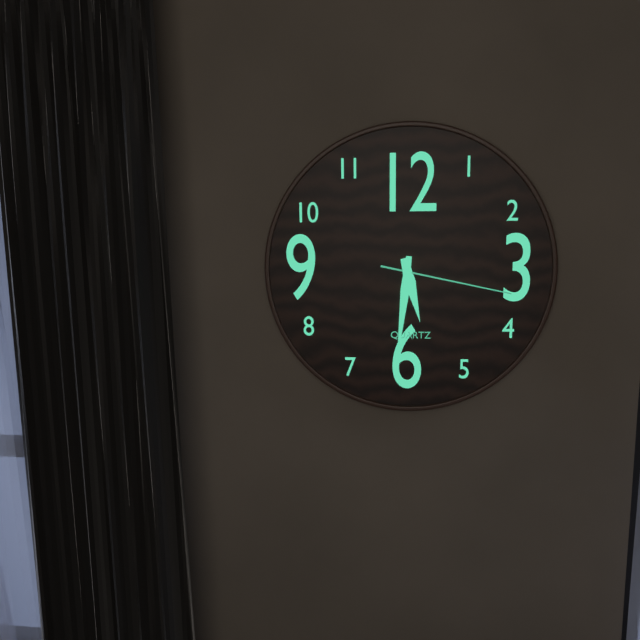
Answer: h=5 m=31 s=17
